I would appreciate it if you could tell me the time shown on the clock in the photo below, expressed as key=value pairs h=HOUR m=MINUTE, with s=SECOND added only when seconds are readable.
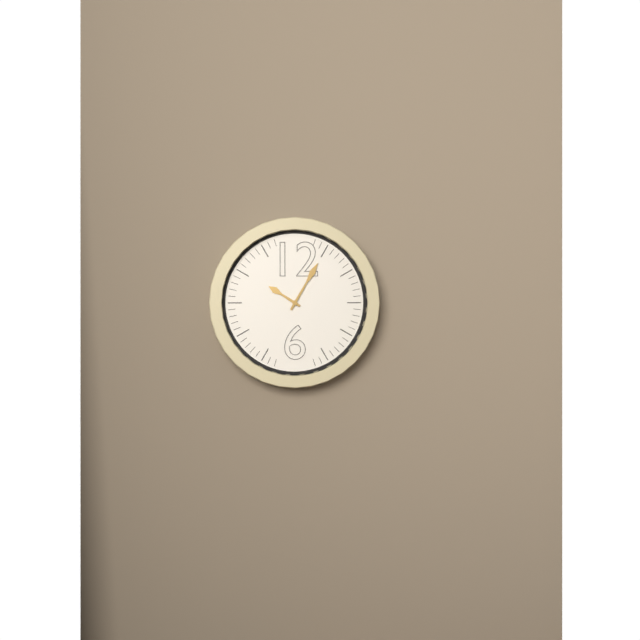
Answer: h=10 m=5
